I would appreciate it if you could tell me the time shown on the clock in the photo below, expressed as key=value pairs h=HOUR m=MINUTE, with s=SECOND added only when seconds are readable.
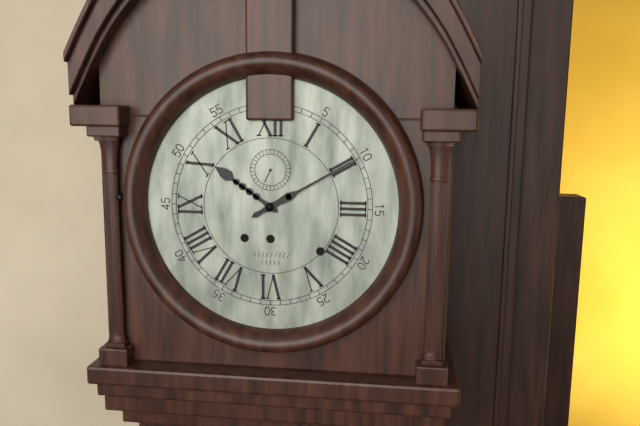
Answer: h=10 m=10
